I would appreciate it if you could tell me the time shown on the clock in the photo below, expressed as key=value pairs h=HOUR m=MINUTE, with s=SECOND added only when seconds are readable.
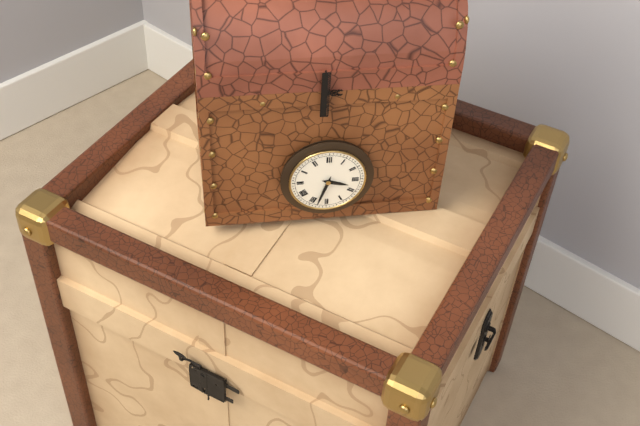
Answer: h=3 m=33
